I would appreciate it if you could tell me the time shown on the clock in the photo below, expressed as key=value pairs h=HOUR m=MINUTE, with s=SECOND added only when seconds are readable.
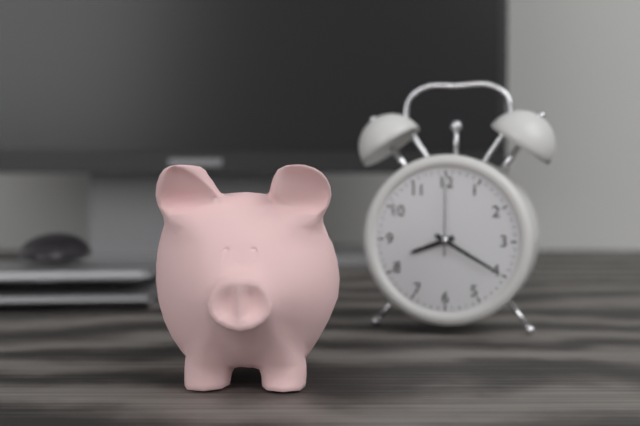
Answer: h=8 m=20 s=0
